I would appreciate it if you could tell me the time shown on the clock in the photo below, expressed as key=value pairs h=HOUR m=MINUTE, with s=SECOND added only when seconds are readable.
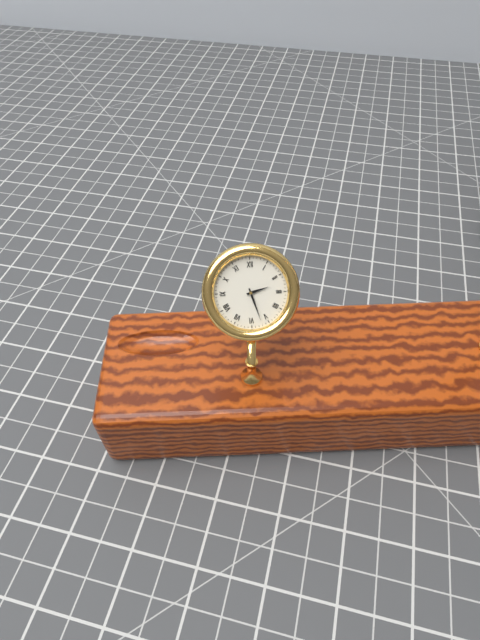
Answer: h=2 m=27
